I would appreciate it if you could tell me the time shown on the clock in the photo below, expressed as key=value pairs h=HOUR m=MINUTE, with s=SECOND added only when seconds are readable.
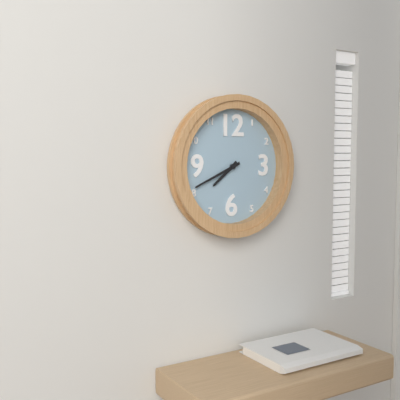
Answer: h=7 m=41
